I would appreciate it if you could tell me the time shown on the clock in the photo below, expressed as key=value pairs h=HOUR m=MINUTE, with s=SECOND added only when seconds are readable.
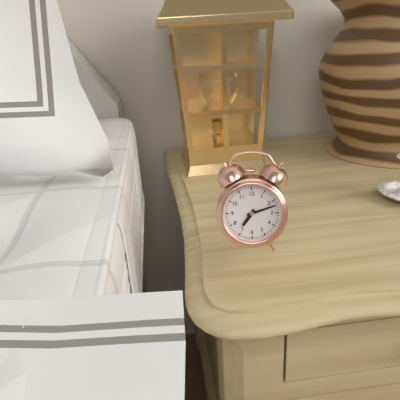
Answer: h=7 m=12
